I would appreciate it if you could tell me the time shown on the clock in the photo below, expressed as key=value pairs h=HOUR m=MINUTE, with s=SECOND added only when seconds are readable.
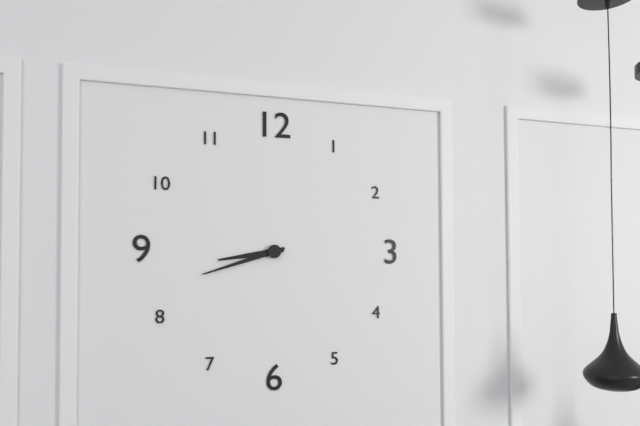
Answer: h=8 m=42
